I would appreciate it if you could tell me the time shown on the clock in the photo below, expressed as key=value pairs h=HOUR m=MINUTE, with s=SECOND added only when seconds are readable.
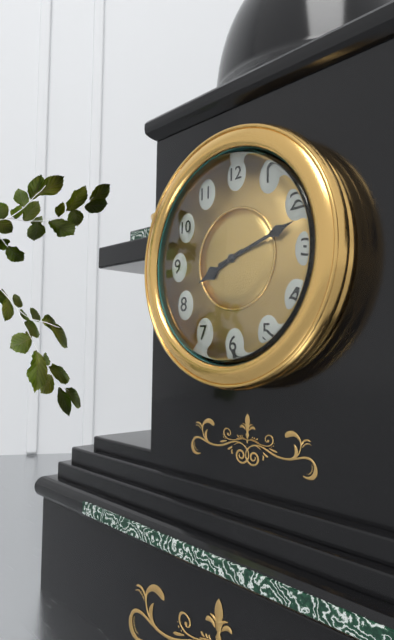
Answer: h=8 m=12
